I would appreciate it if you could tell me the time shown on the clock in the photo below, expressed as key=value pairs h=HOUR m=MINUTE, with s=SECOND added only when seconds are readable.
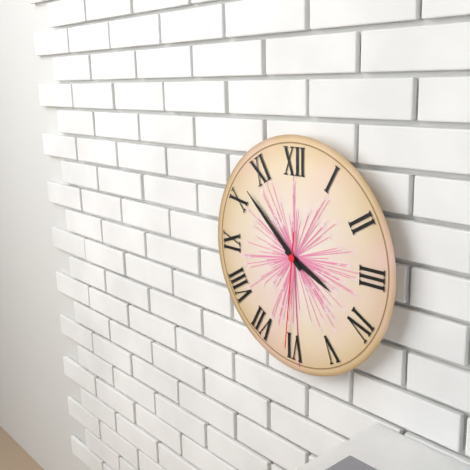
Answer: h=3 m=52 s=31
